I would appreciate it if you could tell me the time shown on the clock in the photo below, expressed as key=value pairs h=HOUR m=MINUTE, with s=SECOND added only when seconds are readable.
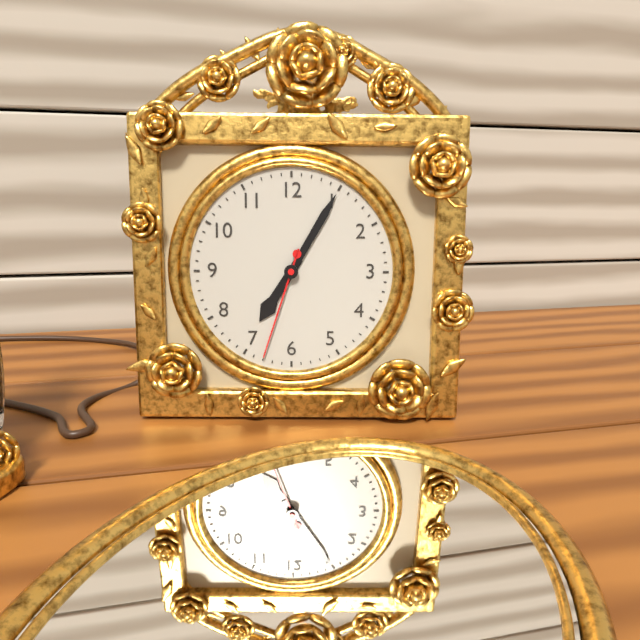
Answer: h=7 m=5 s=33
